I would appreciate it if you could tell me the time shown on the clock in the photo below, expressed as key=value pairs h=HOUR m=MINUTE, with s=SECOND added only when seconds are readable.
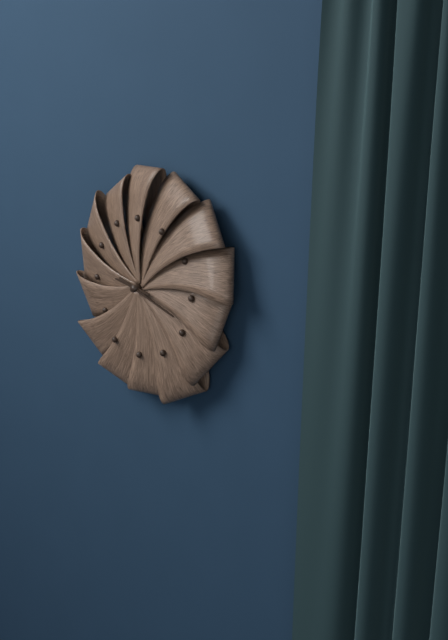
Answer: h=9 m=18
